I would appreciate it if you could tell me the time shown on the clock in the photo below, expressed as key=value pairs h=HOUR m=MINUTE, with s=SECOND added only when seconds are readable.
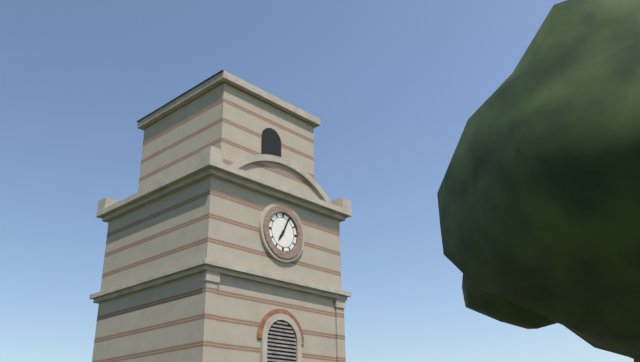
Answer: h=7 m=4
